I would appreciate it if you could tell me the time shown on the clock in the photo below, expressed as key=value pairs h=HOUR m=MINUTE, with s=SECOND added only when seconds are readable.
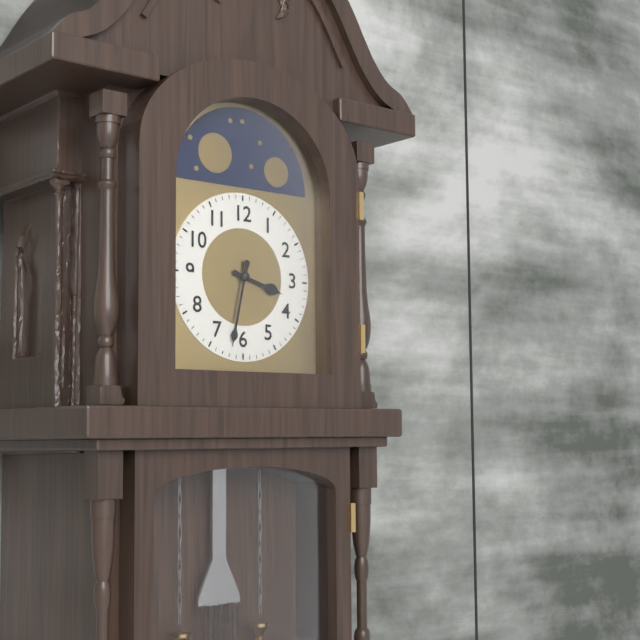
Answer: h=3 m=32
